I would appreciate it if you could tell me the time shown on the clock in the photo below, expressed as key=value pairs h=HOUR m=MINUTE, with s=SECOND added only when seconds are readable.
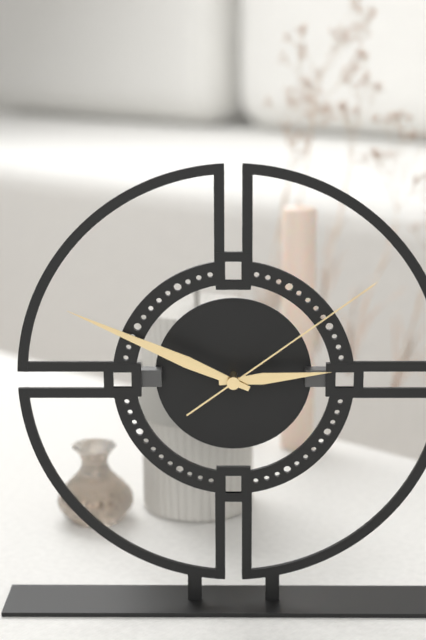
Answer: h=2 m=49 s=9
